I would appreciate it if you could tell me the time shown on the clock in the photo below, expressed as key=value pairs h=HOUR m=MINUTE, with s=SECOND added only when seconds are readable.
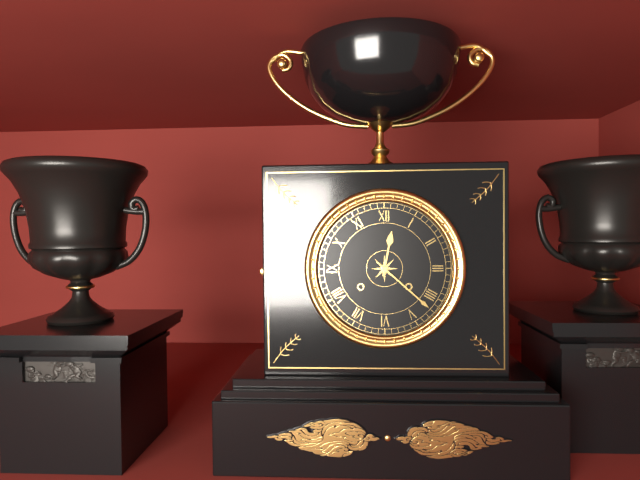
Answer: h=12 m=22
